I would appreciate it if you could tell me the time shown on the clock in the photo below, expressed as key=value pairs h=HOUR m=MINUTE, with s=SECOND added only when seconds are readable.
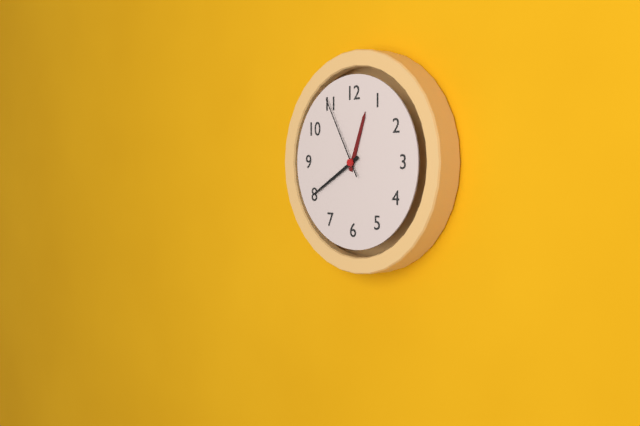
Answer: h=12 m=40 s=55
